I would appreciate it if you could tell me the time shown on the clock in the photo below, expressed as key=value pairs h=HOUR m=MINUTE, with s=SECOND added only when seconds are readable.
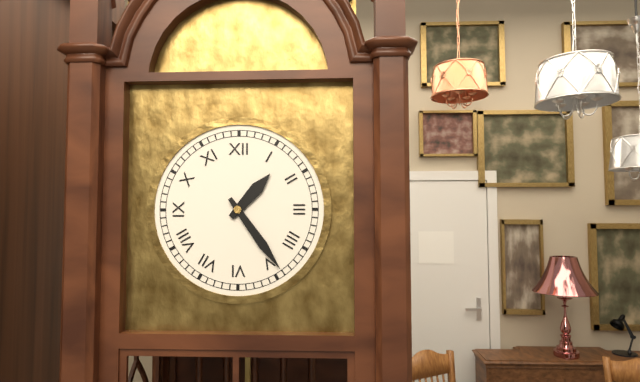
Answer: h=1 m=24
